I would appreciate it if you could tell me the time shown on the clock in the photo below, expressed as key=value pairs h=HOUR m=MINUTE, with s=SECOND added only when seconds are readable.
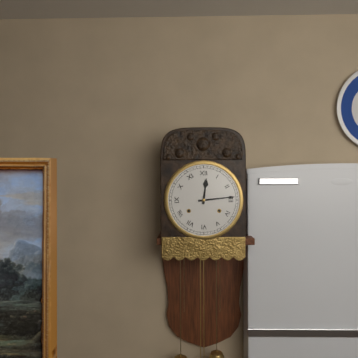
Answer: h=12 m=14
